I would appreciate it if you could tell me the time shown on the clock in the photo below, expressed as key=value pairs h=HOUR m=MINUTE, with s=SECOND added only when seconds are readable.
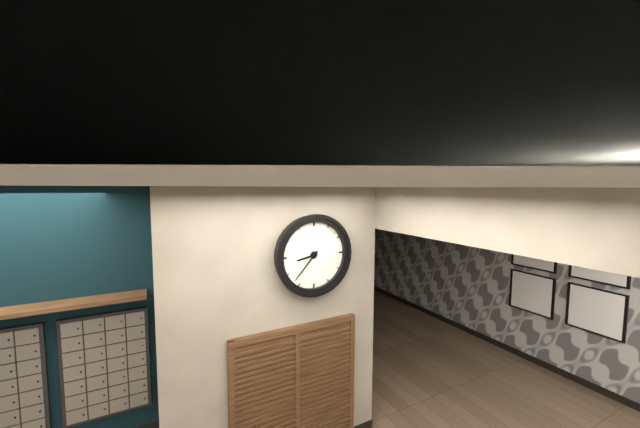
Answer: h=8 m=37
